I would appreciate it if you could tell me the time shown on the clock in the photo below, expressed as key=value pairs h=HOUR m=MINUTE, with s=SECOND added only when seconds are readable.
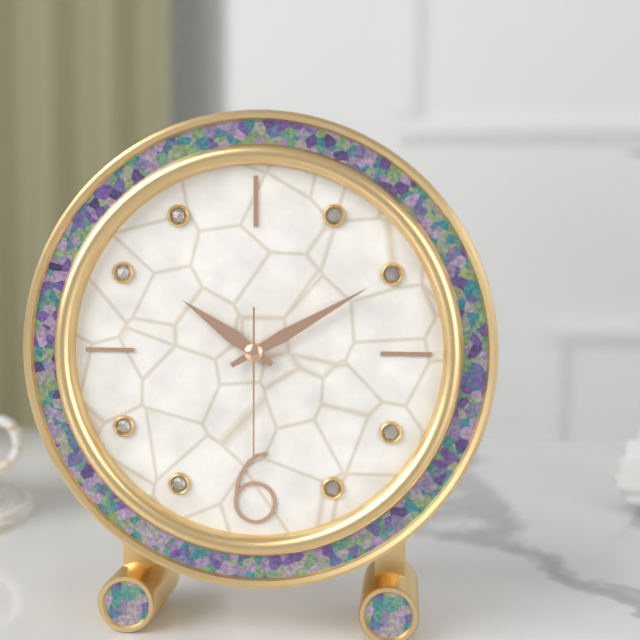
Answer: h=10 m=10 s=30
